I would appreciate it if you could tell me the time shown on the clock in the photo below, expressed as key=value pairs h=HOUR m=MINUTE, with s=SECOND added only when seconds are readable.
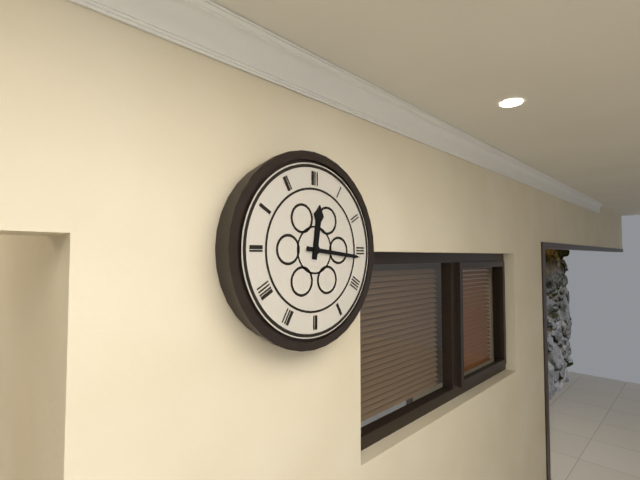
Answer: h=12 m=16
